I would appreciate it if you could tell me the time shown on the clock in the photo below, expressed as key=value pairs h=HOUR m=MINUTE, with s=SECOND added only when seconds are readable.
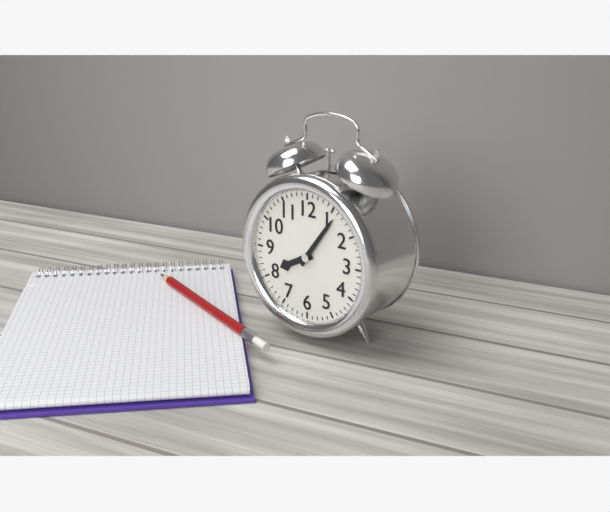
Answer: h=8 m=6
